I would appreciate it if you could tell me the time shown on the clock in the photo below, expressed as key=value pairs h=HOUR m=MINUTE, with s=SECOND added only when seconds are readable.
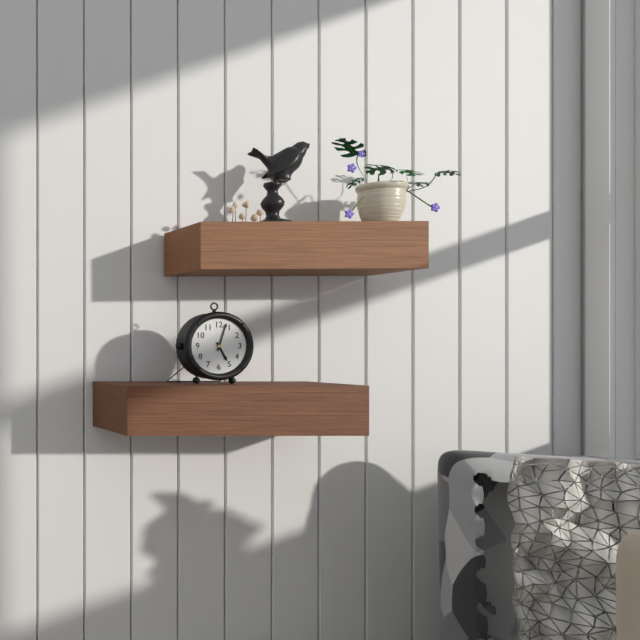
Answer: h=5 m=3
